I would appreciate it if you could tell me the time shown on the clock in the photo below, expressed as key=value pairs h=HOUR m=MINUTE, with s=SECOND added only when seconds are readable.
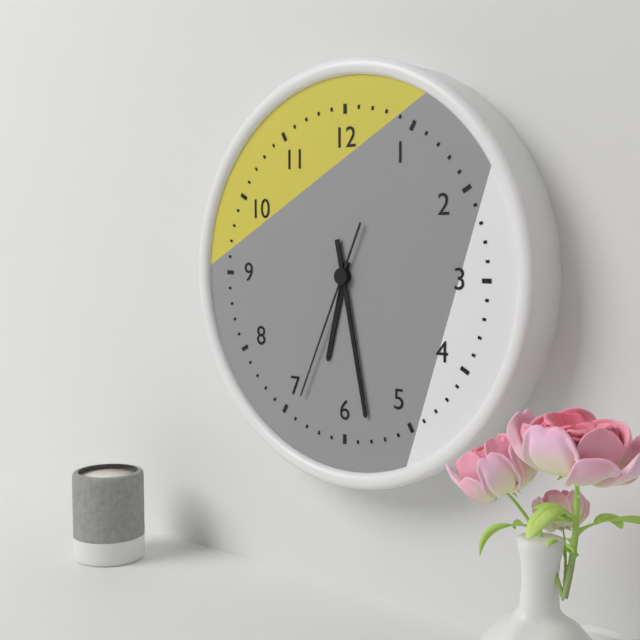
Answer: h=6 m=28 s=34
